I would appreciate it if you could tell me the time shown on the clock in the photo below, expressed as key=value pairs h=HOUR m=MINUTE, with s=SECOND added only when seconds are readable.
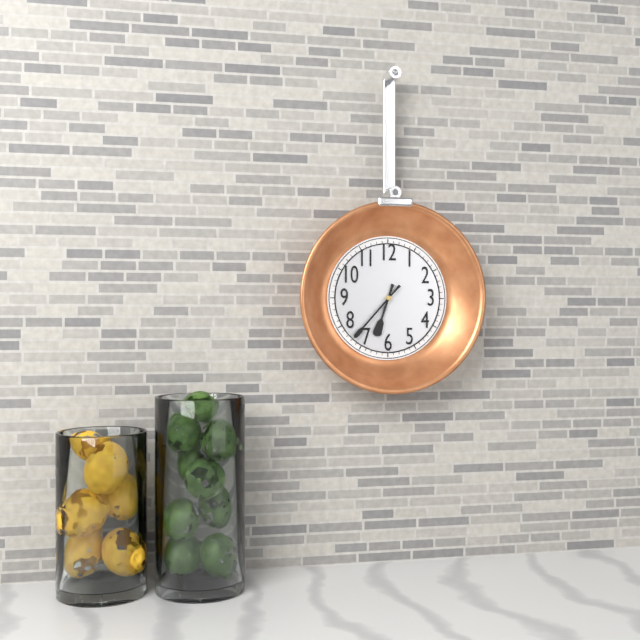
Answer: h=6 m=37
